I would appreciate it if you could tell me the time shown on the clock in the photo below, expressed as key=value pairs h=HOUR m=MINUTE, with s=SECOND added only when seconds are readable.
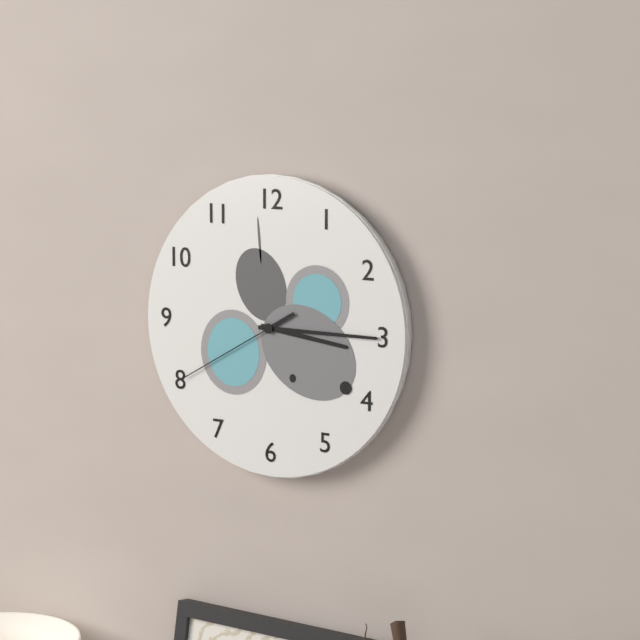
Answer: h=3 m=15 s=40
